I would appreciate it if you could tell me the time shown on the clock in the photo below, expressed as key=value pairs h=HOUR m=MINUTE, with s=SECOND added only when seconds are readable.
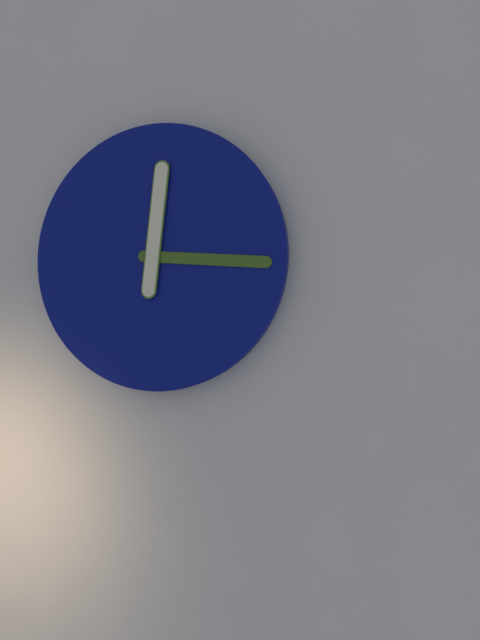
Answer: h=12 m=16
